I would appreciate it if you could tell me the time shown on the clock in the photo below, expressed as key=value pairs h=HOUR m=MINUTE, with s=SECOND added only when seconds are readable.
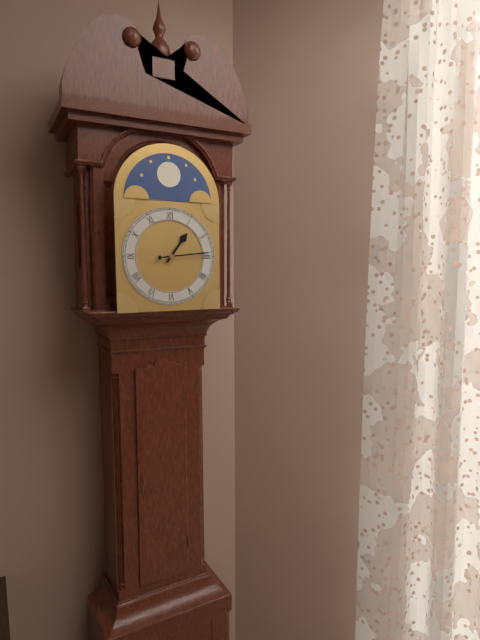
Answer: h=1 m=14
